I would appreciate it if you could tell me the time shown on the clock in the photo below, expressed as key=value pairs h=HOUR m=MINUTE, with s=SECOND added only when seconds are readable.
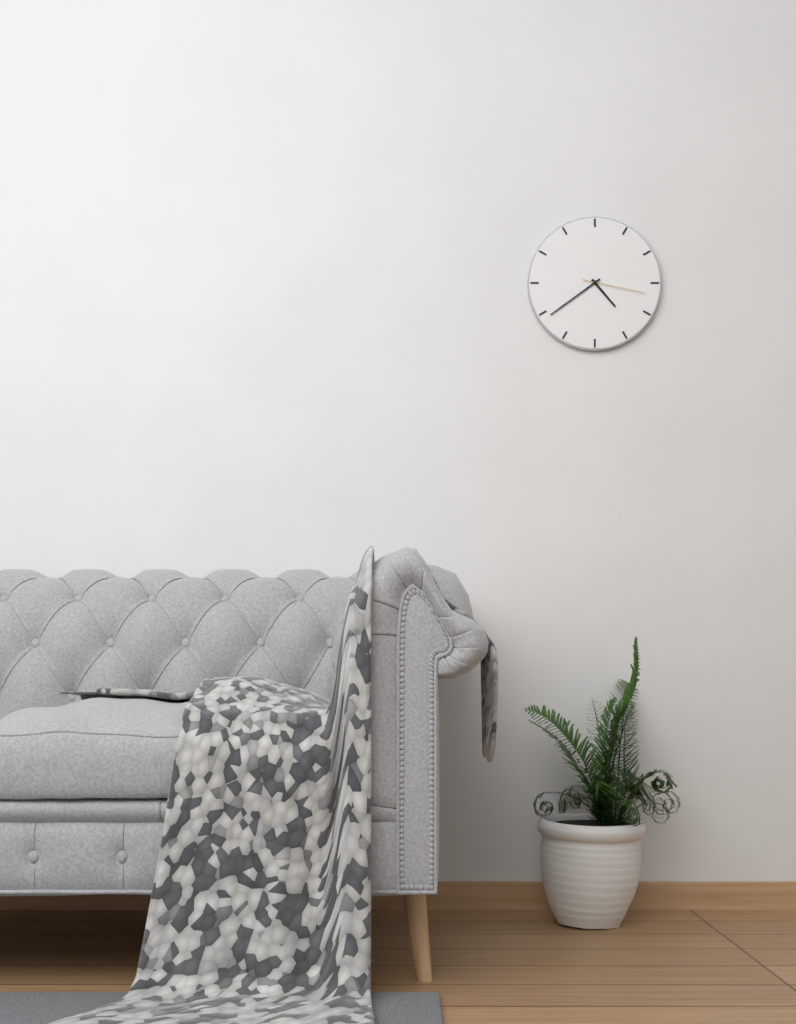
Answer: h=4 m=39 s=17
